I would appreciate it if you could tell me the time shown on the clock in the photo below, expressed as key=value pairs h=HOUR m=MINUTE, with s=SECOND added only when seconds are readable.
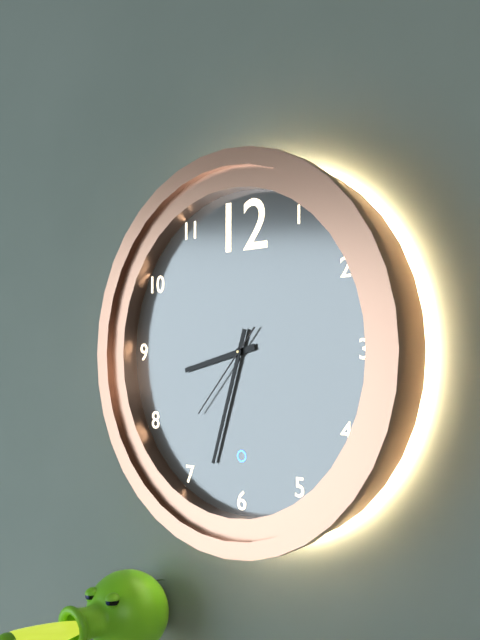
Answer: h=8 m=33 s=37
